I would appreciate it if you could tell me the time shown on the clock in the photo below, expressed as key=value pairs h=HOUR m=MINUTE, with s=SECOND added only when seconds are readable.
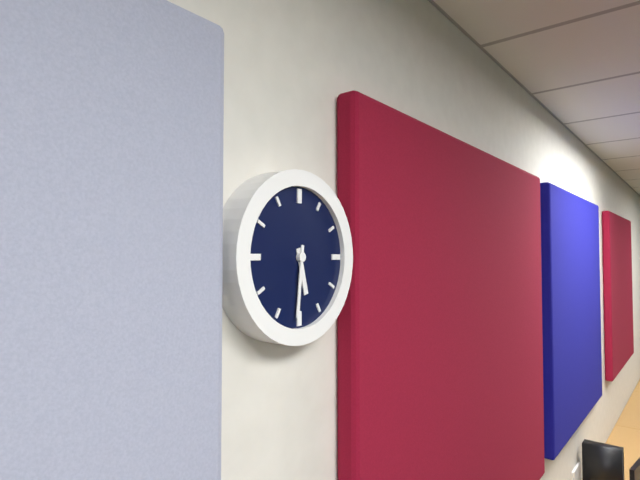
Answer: h=5 m=31
